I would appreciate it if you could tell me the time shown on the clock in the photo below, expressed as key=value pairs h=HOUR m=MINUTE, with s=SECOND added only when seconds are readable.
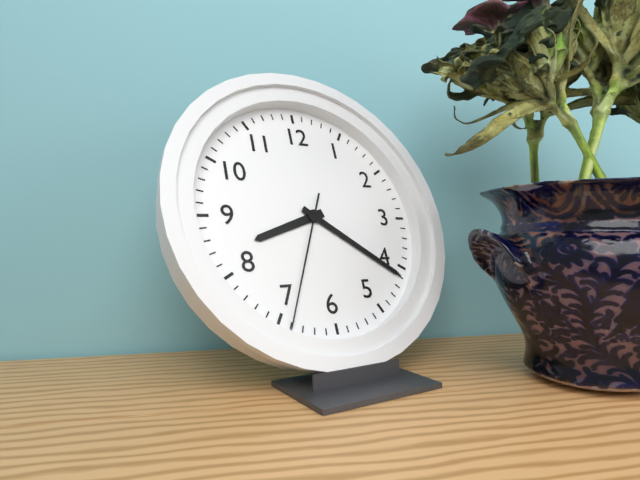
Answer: h=8 m=21 s=34
